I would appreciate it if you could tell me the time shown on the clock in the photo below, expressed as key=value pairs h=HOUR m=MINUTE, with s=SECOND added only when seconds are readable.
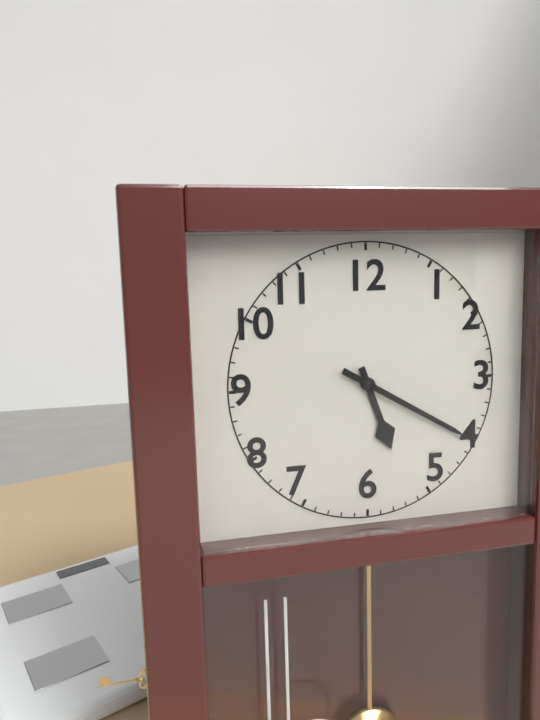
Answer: h=5 m=20
